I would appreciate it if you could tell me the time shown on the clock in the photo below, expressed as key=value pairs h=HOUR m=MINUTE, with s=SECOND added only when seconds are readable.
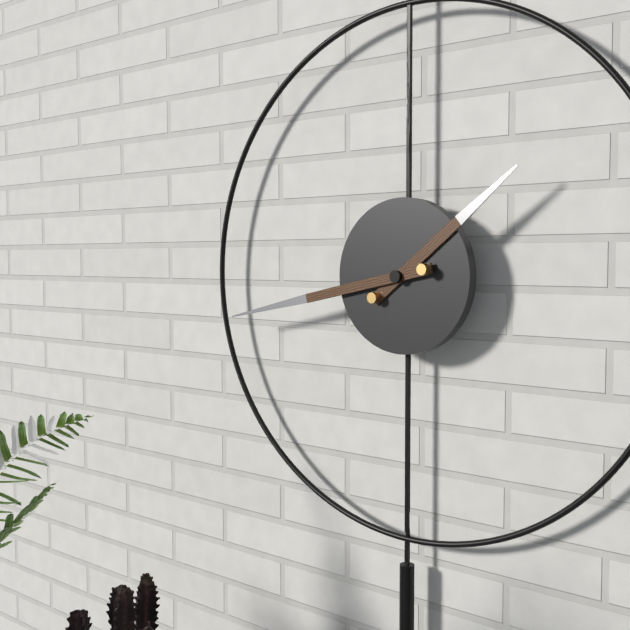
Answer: h=1 m=43
